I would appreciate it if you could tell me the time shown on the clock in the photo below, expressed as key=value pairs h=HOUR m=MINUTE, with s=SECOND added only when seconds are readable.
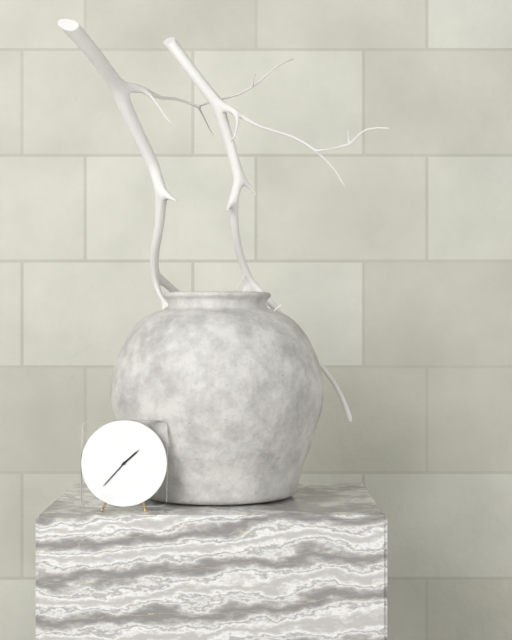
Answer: h=1 m=37
